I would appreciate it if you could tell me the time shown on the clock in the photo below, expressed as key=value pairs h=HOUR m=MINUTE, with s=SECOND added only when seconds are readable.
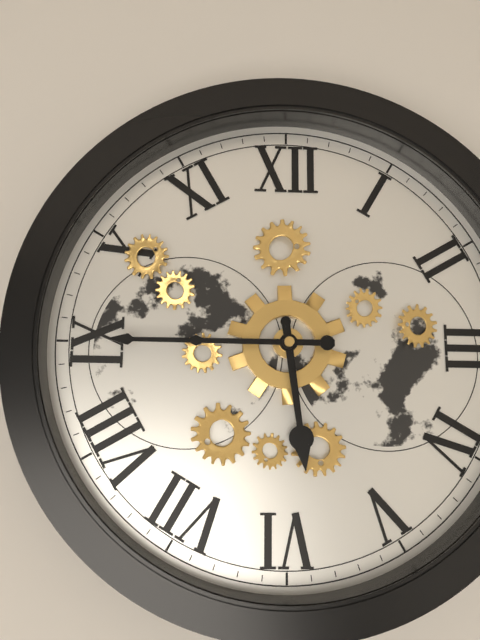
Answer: h=5 m=45
